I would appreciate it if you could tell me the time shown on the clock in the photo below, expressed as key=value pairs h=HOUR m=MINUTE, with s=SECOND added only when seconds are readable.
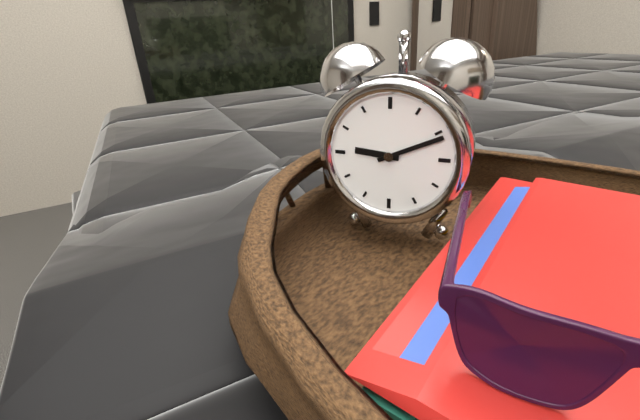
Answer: h=9 m=11
